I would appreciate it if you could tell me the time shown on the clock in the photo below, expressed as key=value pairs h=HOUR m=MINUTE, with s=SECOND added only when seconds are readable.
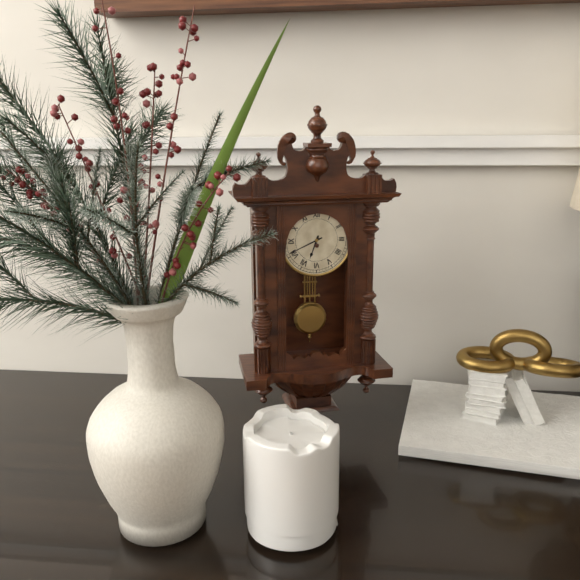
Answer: h=6 m=41
